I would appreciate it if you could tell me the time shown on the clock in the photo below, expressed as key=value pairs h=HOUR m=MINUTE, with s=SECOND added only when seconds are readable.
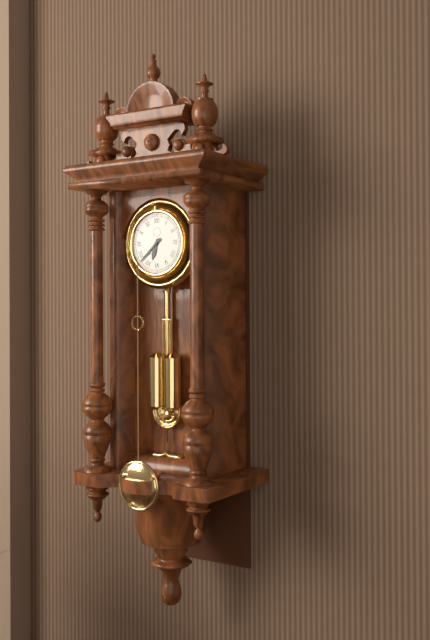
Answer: h=6 m=38
